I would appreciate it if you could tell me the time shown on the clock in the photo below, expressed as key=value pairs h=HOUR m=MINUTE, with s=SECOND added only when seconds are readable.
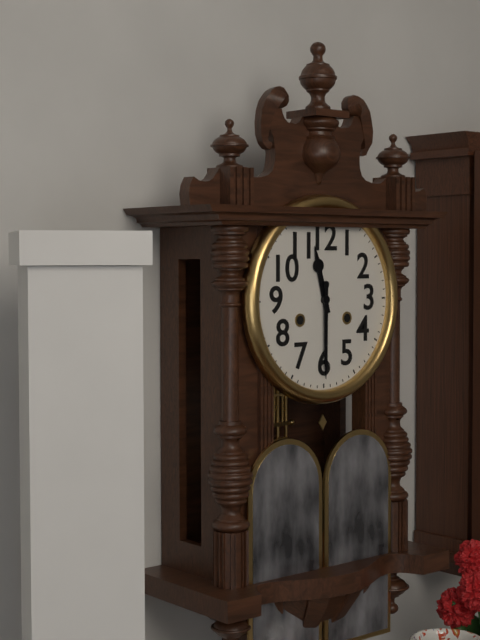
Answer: h=11 m=30
